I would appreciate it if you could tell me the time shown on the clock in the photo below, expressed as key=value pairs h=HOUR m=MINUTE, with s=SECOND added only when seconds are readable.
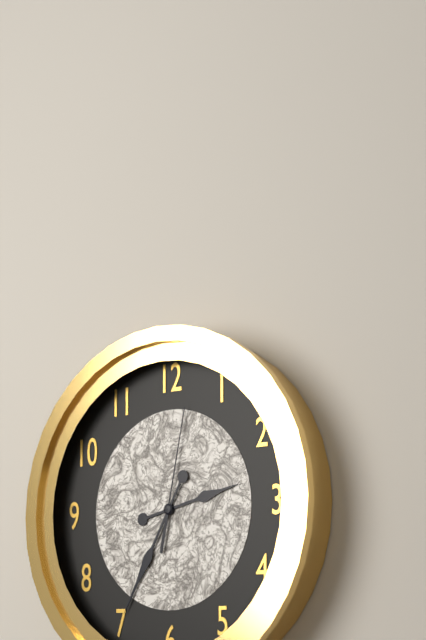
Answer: h=2 m=35 s=2
